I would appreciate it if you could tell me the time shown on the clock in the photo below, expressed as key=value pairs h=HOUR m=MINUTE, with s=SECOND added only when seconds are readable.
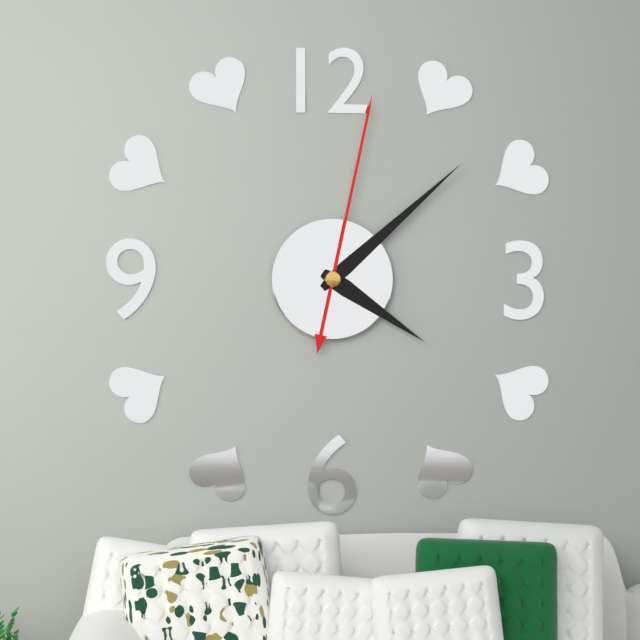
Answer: h=4 m=8 s=2
